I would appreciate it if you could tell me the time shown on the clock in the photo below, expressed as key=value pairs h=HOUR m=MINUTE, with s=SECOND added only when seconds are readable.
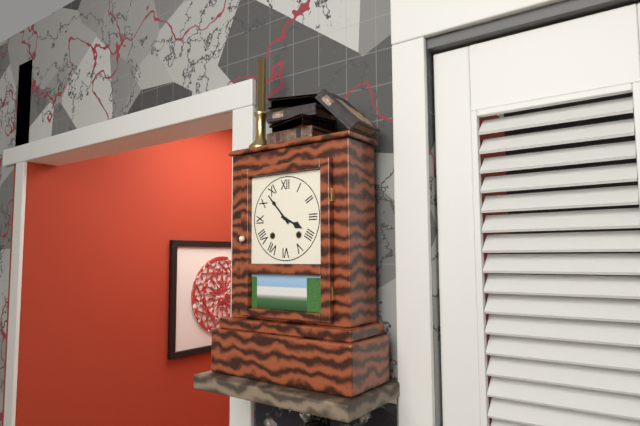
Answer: h=3 m=53
